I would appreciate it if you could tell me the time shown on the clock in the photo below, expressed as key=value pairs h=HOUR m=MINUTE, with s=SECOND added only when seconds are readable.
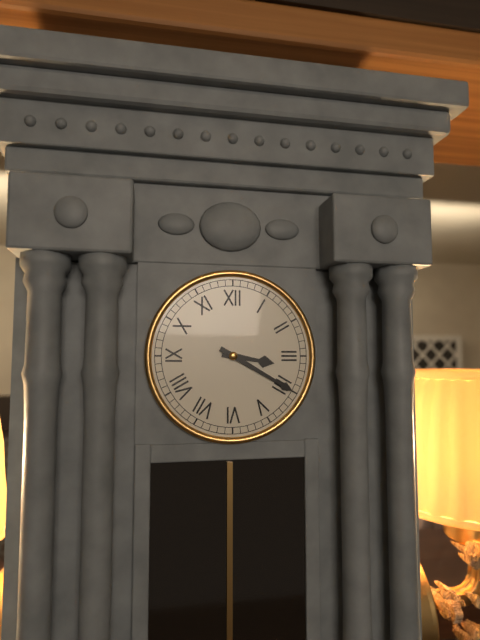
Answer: h=3 m=20
